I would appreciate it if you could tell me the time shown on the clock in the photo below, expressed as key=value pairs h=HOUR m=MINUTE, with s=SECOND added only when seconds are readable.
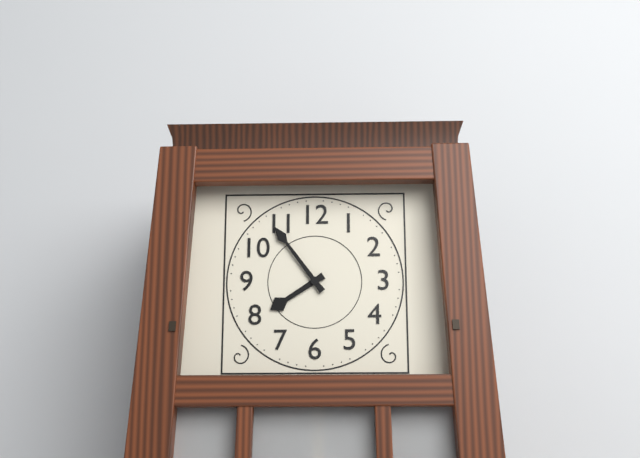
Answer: h=7 m=54
